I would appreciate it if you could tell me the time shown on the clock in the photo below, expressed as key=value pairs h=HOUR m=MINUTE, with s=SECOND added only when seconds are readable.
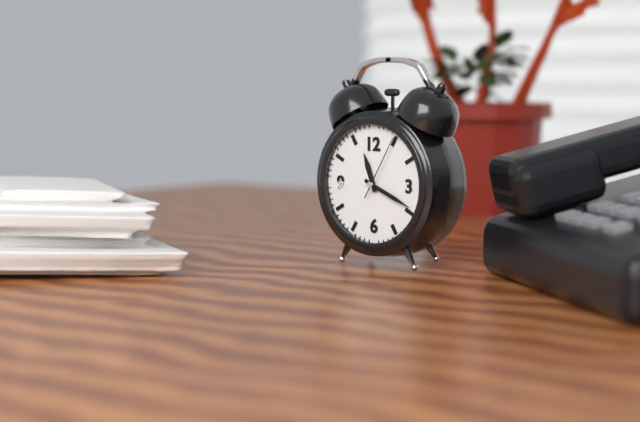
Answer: h=11 m=19 s=5
